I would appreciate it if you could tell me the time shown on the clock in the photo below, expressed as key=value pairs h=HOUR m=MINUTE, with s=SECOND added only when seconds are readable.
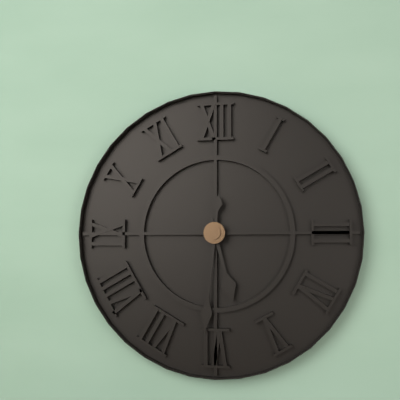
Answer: h=5 m=31
